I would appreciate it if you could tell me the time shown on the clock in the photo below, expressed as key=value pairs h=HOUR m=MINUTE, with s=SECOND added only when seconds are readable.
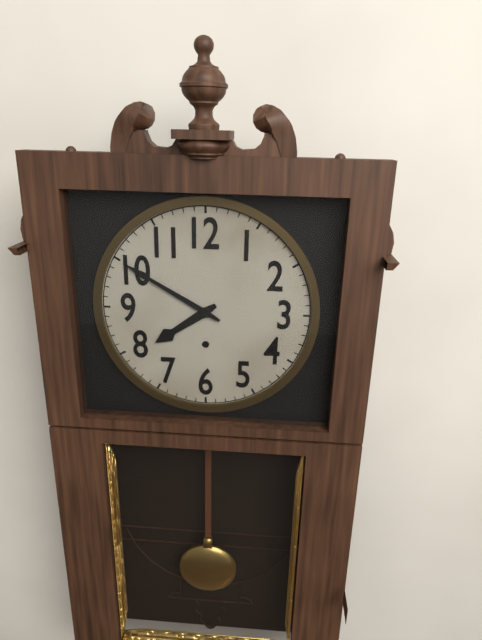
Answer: h=7 m=50
